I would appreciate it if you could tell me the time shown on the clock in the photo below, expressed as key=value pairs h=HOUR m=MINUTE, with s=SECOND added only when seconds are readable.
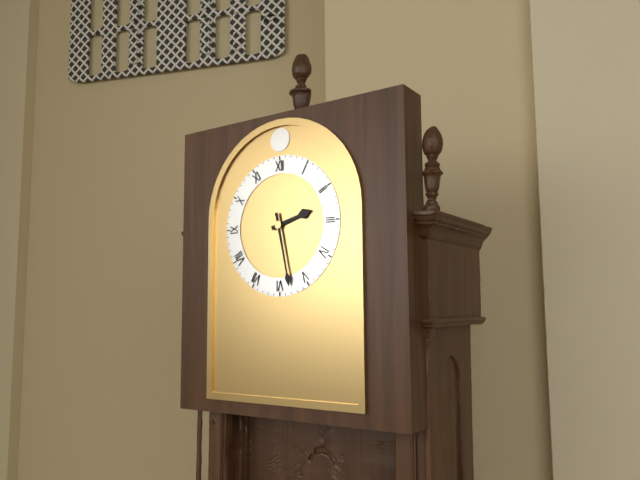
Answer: h=2 m=28
